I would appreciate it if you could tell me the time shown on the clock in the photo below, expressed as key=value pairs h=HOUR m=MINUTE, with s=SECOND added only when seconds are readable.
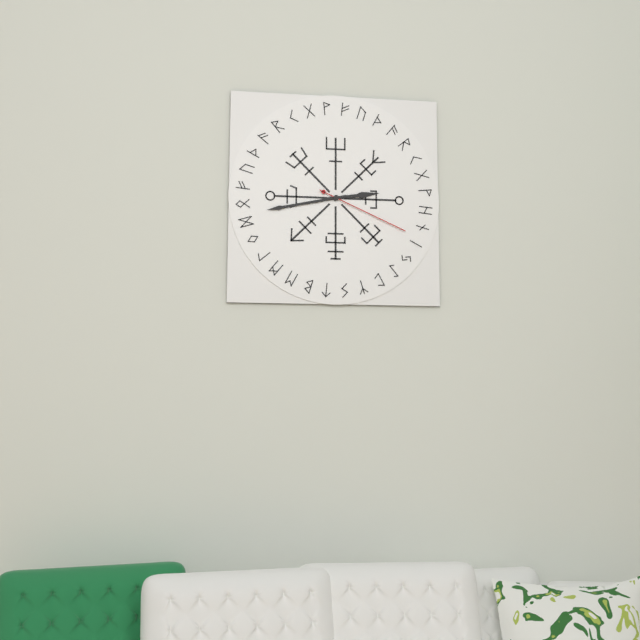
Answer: h=2 m=43 s=19
